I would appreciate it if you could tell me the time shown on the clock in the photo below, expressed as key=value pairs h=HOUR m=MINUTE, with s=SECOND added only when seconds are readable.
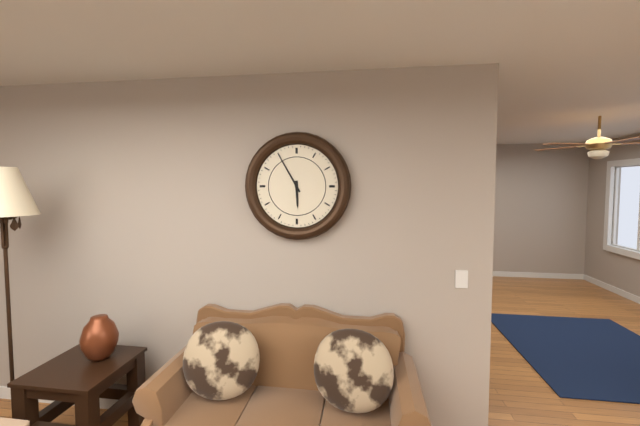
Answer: h=5 m=55
